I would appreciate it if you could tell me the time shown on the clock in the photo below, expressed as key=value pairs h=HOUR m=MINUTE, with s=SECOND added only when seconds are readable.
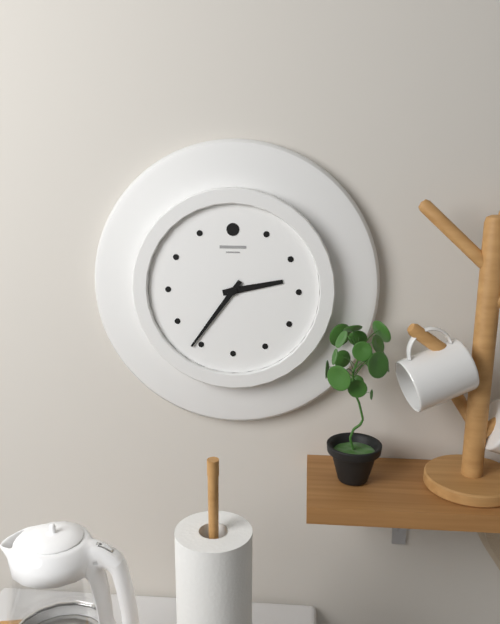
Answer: h=2 m=36
